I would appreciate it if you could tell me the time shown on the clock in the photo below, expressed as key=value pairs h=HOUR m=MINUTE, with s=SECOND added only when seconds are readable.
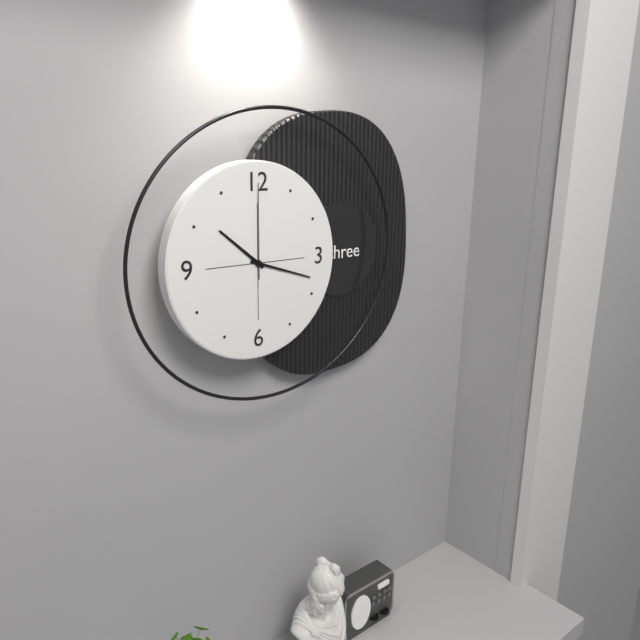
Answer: h=10 m=18 s=0
